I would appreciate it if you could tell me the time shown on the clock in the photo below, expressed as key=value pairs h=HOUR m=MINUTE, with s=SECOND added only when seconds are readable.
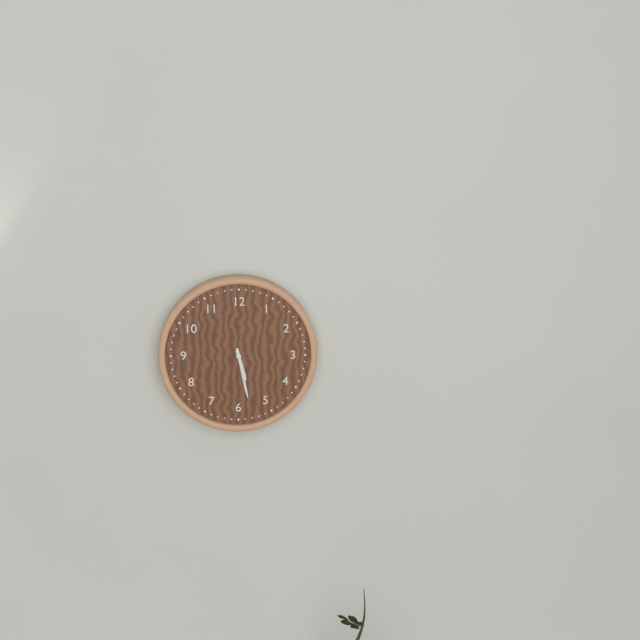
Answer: h=5 m=28
